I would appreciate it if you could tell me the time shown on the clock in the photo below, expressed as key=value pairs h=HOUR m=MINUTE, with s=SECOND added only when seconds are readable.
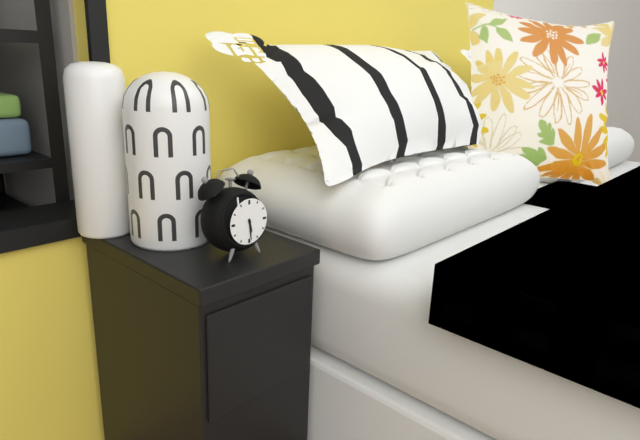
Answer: h=5 m=29
